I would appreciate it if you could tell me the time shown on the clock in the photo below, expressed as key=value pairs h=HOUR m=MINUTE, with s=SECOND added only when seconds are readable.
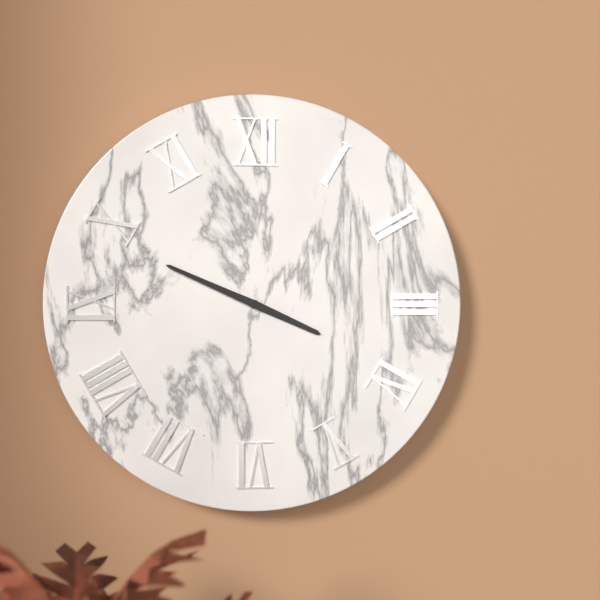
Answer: h=3 m=49
